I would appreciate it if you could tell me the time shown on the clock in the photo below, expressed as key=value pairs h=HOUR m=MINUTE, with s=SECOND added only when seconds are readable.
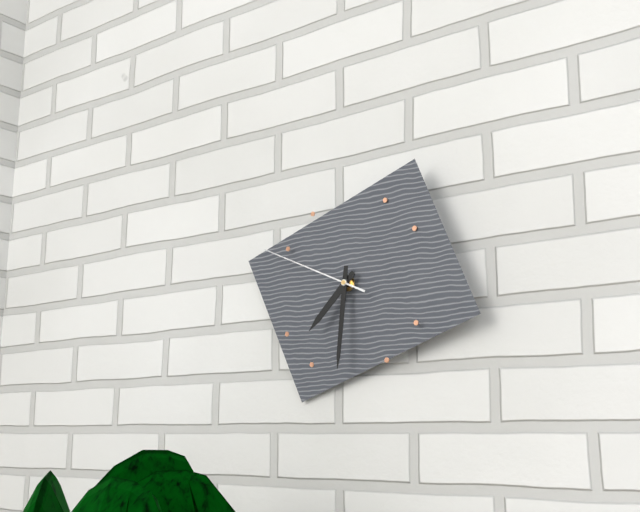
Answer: h=7 m=31 s=49
